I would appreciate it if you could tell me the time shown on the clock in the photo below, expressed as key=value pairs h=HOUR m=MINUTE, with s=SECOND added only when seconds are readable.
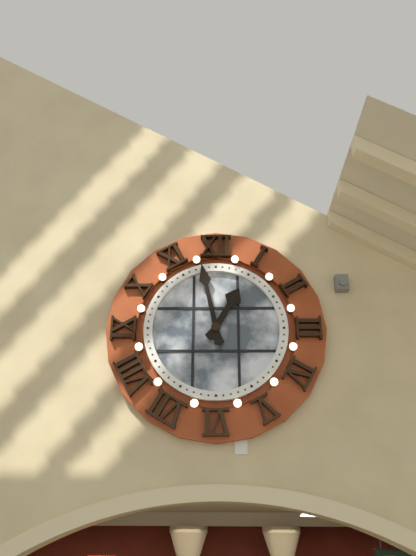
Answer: h=12 m=58
